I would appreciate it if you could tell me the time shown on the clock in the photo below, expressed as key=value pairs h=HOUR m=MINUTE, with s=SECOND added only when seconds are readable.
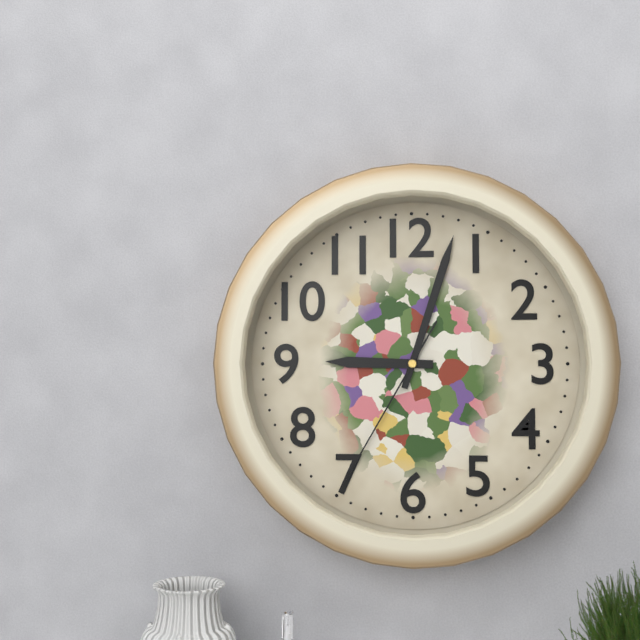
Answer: h=9 m=3 s=35
